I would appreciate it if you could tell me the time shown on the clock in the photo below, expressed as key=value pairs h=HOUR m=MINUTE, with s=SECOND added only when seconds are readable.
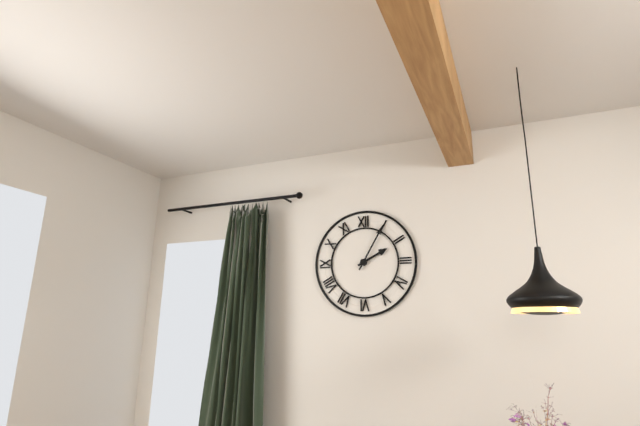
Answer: h=2 m=5
